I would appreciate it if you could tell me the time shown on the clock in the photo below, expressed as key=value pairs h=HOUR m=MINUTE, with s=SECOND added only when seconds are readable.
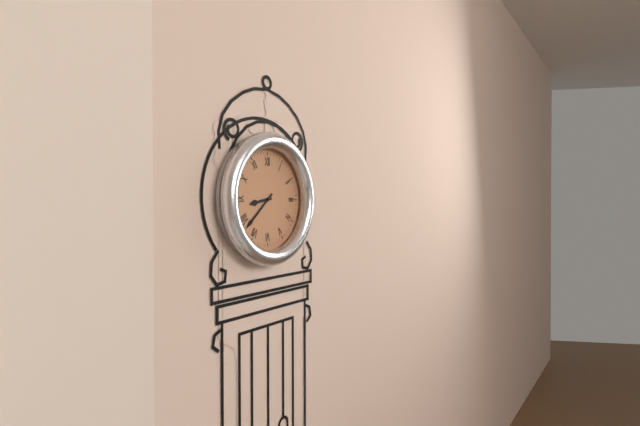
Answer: h=8 m=38
